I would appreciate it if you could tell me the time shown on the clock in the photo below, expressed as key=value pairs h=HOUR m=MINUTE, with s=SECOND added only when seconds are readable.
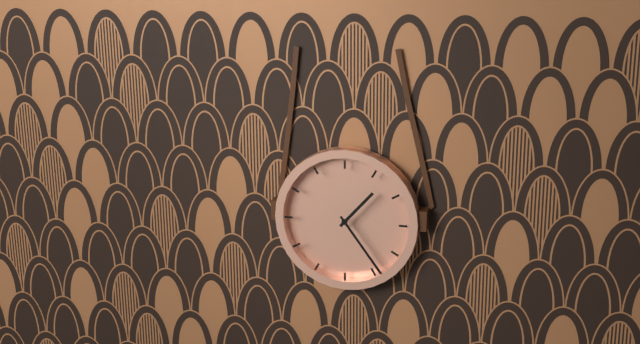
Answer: h=1 m=24
